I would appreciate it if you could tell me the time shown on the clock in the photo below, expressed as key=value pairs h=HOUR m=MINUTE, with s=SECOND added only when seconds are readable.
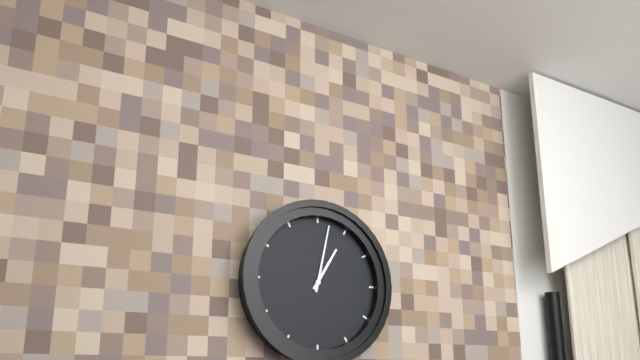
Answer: h=1 m=2
